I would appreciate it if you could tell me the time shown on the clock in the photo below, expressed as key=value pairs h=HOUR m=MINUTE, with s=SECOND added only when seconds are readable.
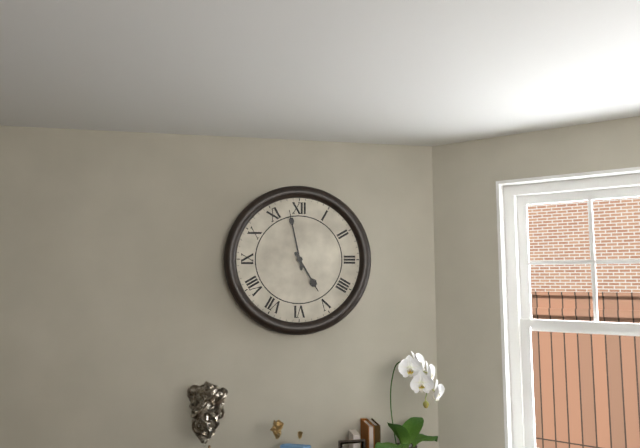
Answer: h=4 m=58
